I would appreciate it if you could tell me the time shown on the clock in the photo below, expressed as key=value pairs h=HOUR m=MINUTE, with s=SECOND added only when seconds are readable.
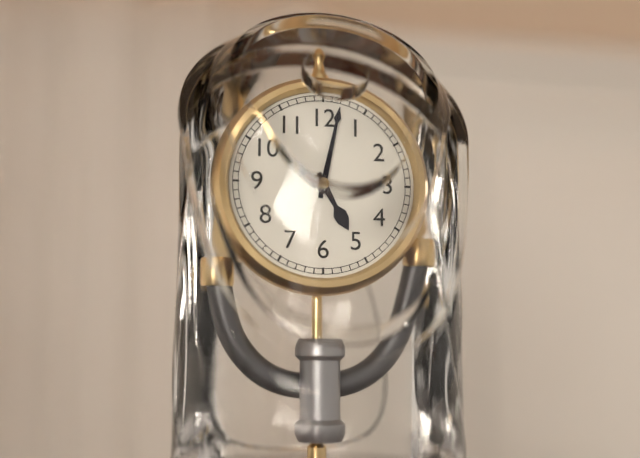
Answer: h=5 m=2
